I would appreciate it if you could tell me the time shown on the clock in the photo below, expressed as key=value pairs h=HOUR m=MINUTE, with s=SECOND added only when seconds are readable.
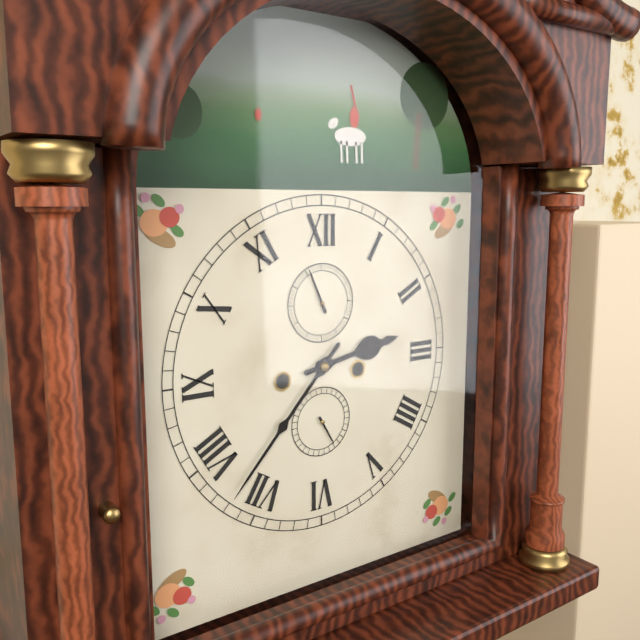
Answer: h=2 m=37
